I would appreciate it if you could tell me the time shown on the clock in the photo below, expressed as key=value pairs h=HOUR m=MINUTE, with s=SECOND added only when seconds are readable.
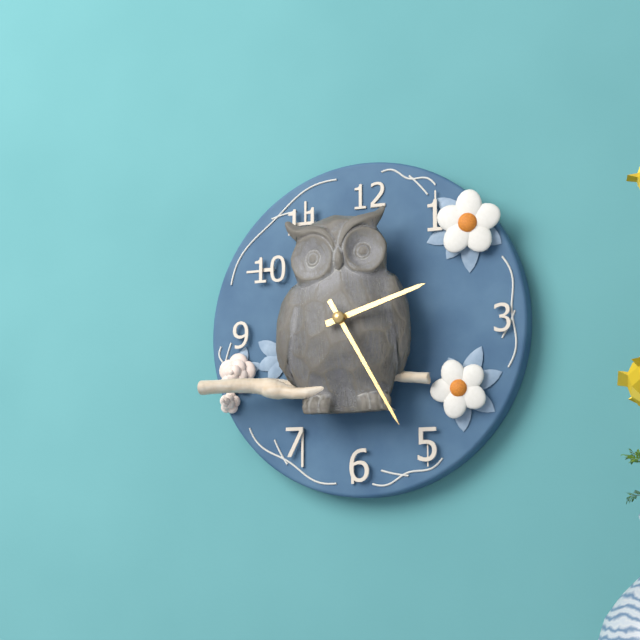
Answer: h=2 m=25
